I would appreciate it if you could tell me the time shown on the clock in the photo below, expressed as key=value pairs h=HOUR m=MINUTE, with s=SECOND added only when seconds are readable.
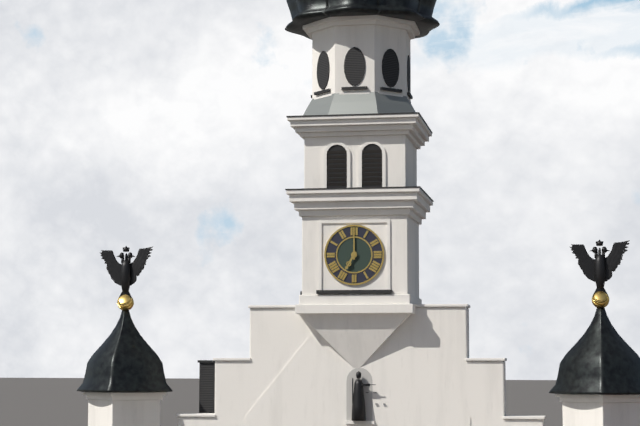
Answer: h=7 m=0
